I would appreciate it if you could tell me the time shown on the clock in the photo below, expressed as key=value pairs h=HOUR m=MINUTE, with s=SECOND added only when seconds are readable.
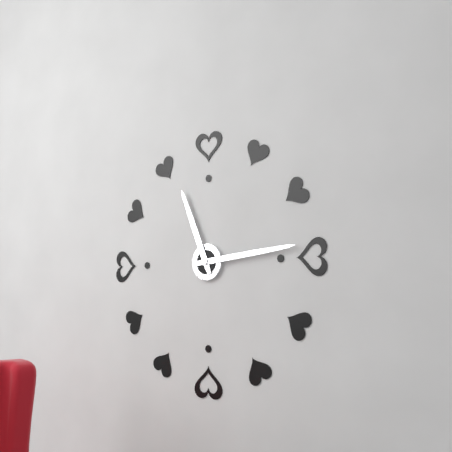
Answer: h=11 m=14
